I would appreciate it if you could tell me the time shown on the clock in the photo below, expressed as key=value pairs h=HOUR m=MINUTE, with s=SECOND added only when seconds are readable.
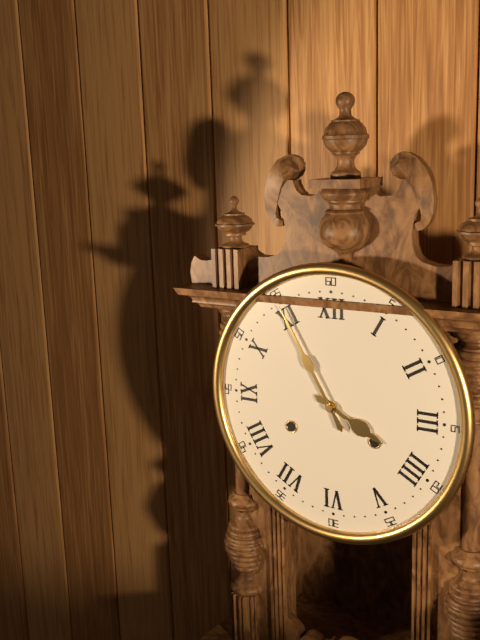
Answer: h=3 m=55
